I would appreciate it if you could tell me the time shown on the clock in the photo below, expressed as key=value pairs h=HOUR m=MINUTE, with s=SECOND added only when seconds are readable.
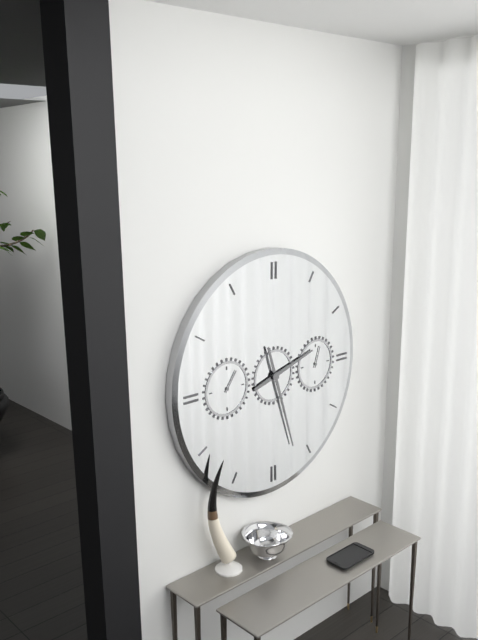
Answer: h=2 m=27
